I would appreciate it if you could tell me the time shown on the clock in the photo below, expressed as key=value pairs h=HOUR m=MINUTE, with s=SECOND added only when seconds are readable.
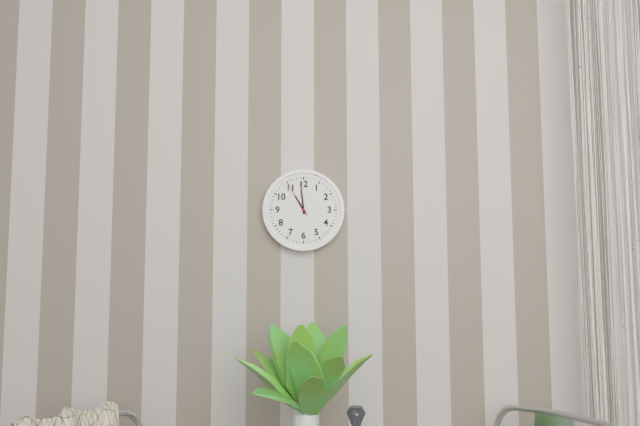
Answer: h=10 m=59
